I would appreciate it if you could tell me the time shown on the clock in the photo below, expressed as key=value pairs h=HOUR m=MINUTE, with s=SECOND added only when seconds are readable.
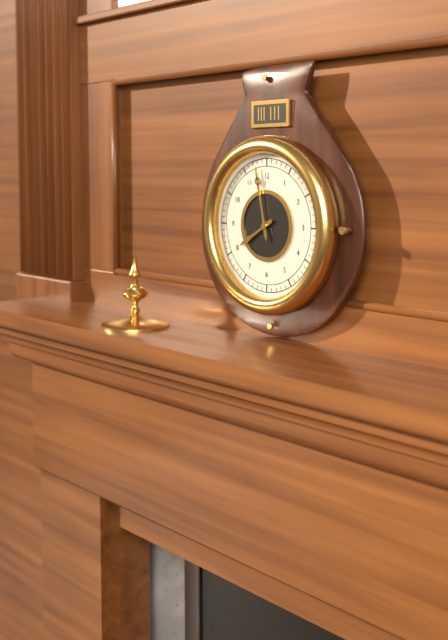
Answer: h=7 m=58
